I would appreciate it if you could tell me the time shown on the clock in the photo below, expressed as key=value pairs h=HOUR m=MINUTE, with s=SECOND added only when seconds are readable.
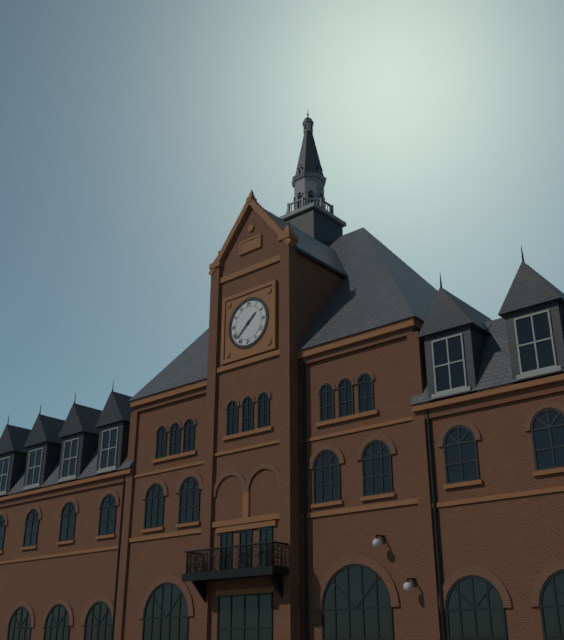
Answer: h=1 m=38
